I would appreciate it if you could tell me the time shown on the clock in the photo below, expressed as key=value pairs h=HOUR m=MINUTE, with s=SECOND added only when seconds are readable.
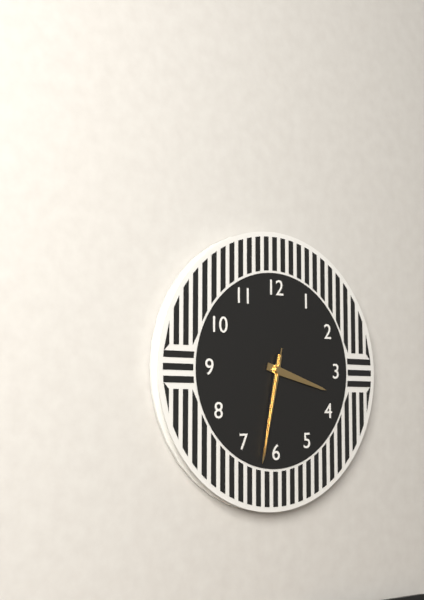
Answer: h=3 m=32 s=32
